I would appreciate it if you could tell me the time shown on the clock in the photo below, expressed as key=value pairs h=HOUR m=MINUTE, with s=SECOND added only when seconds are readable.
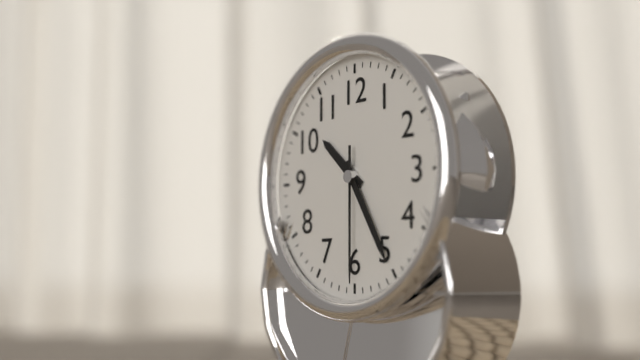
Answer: h=10 m=25 s=30
